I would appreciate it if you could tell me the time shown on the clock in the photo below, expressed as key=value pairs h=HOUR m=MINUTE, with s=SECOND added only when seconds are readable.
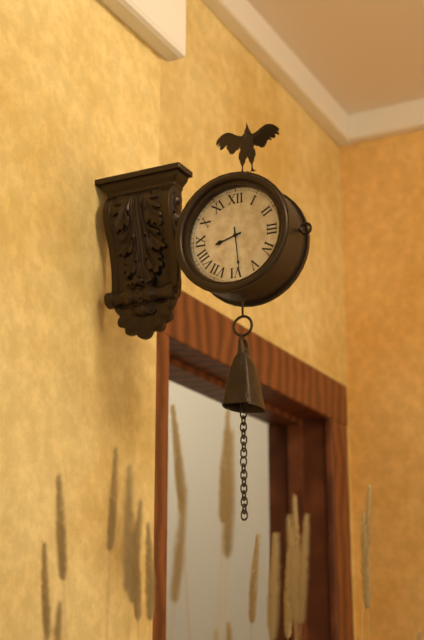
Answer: h=8 m=29
